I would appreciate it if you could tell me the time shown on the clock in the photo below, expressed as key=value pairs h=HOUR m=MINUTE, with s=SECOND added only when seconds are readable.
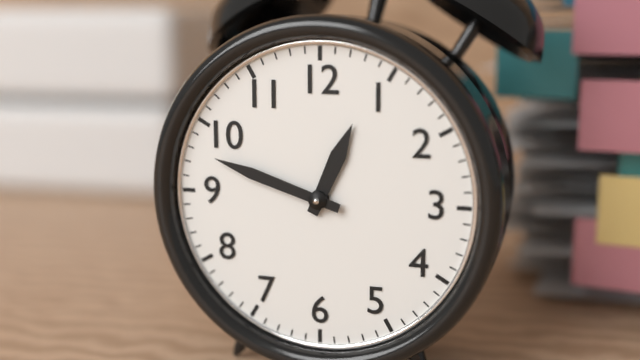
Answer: h=12 m=48
